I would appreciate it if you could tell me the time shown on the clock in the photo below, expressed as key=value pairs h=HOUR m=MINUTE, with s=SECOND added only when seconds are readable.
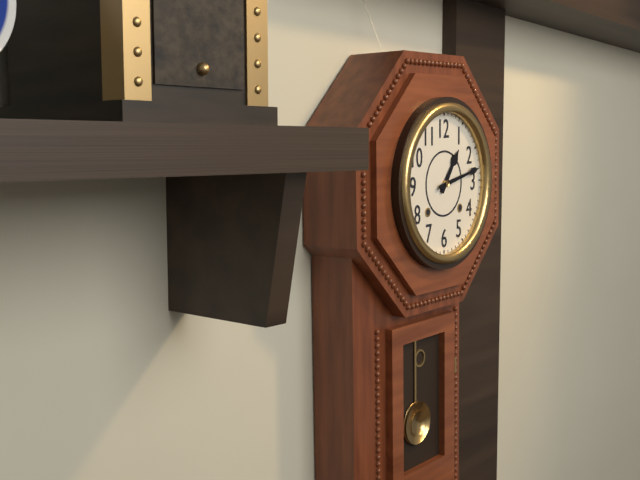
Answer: h=1 m=13
